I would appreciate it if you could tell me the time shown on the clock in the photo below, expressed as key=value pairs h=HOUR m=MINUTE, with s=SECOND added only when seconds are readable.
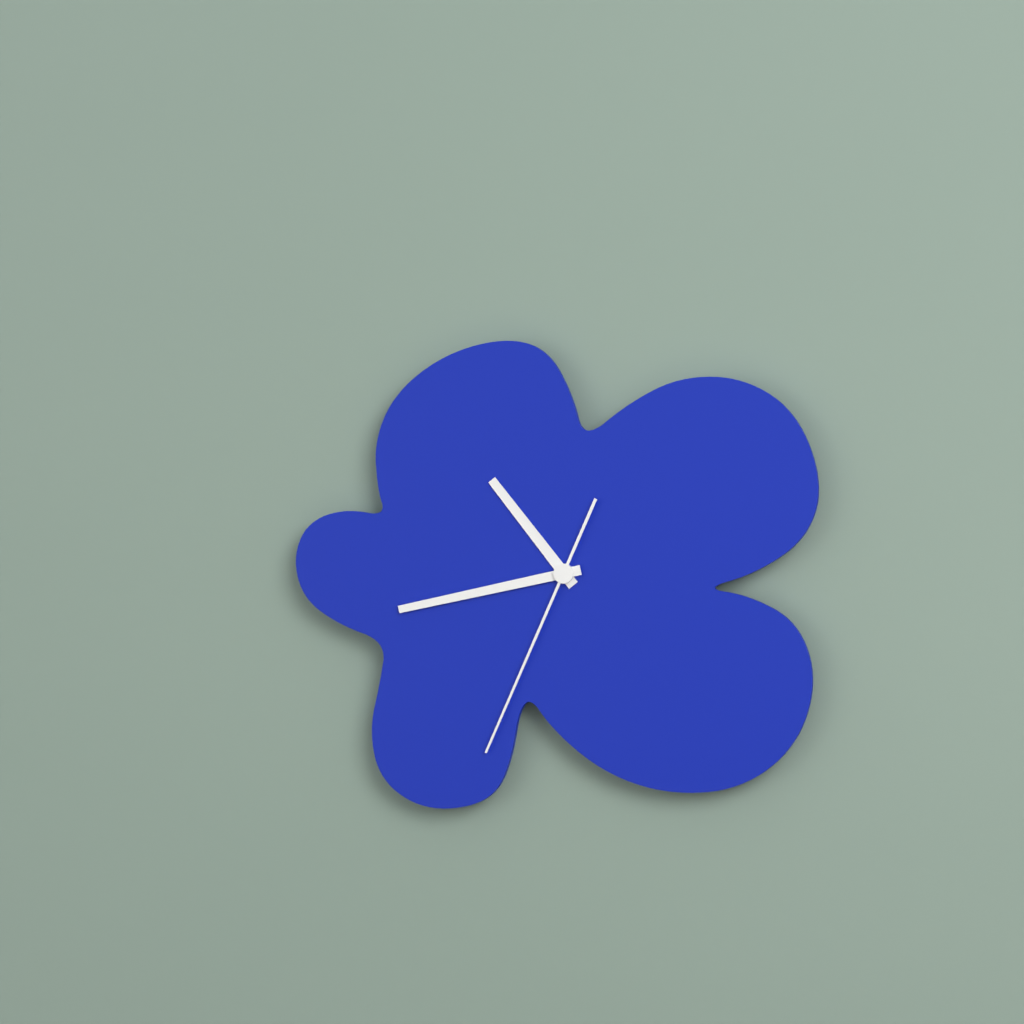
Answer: h=10 m=43 s=34
